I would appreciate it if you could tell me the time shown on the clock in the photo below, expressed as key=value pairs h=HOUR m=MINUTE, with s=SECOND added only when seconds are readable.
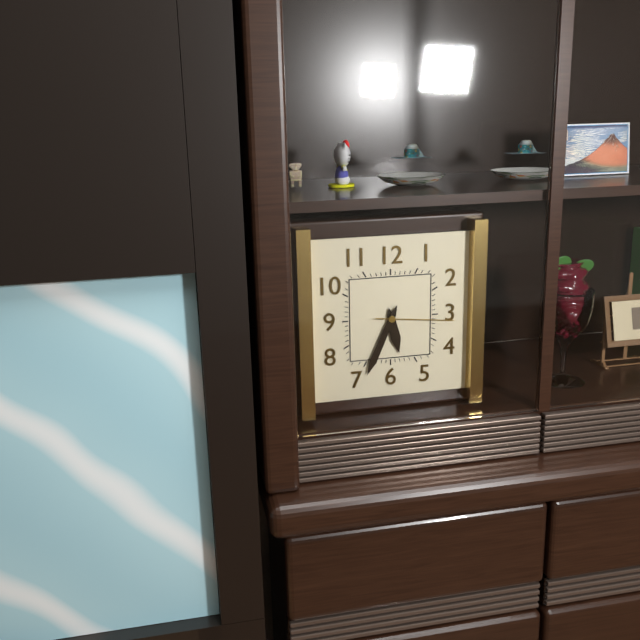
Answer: h=5 m=34 s=16
